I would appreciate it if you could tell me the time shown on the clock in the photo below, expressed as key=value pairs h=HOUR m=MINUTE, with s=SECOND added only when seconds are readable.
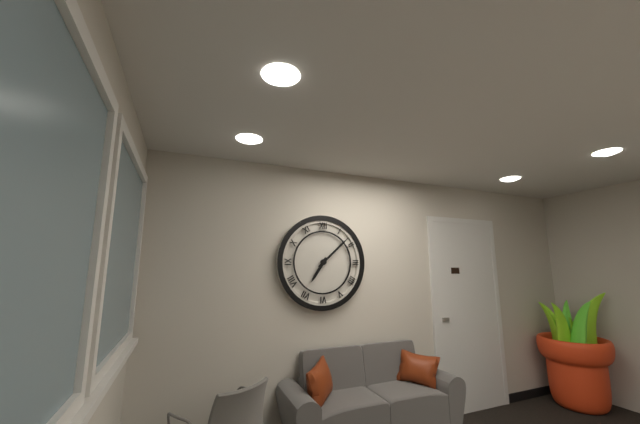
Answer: h=7 m=8
